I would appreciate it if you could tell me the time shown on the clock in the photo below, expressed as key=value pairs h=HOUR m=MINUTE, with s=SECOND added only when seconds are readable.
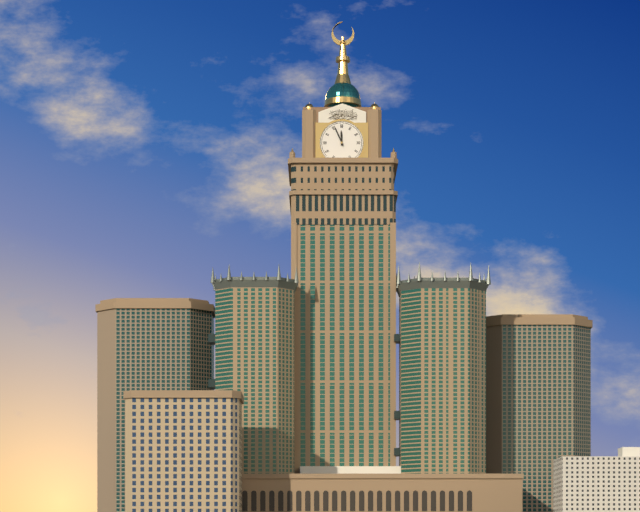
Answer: h=11 m=56
